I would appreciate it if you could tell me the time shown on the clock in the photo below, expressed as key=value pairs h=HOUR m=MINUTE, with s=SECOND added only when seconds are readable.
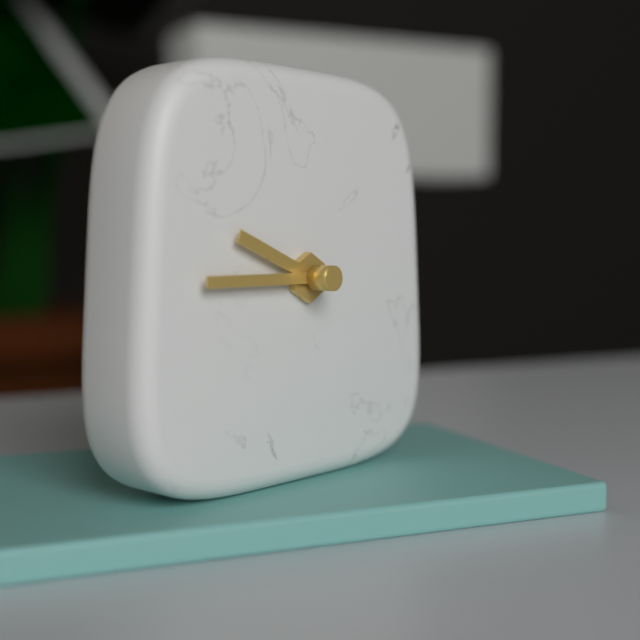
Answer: h=9 m=45
